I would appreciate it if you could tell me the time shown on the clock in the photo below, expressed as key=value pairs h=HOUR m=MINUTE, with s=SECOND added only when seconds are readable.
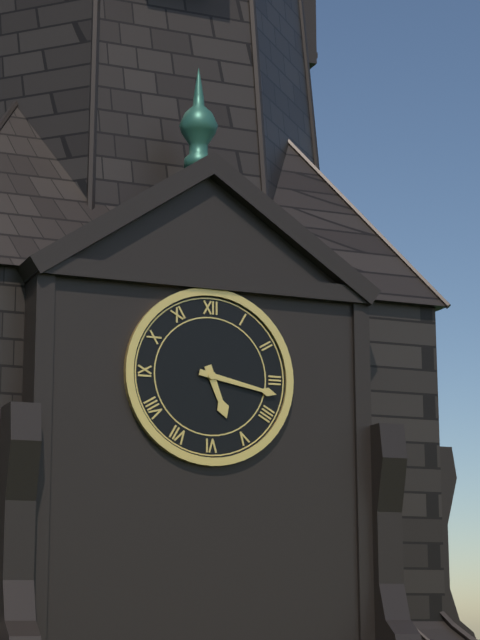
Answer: h=5 m=17
